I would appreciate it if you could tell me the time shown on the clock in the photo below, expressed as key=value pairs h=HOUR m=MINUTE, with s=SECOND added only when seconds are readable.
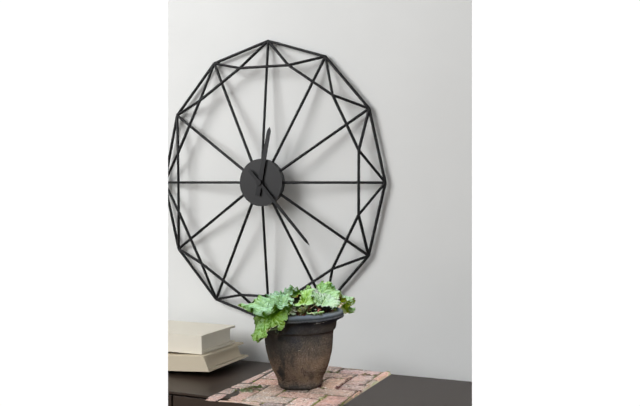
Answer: h=12 m=23
